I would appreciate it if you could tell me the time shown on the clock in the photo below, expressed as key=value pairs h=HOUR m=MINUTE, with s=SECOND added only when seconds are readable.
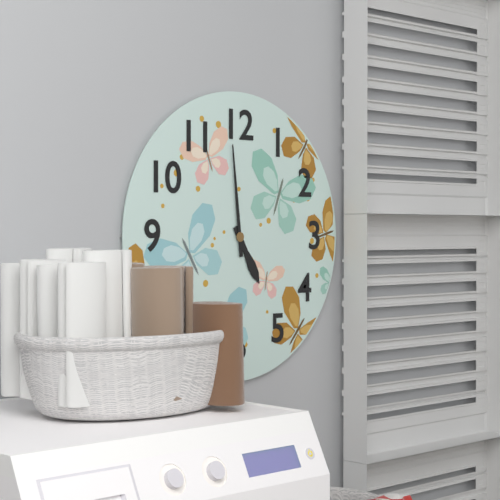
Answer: h=4 m=59
